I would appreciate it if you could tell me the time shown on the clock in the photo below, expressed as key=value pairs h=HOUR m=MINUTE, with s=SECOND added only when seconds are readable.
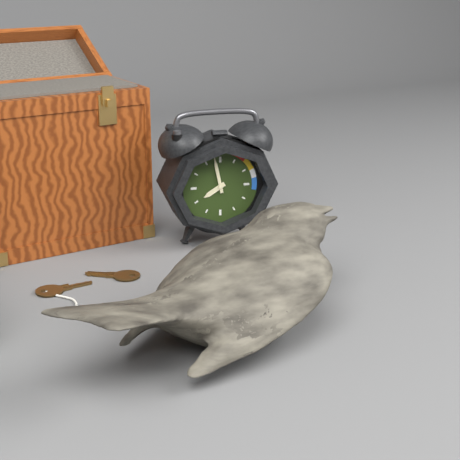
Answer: h=7 m=58
